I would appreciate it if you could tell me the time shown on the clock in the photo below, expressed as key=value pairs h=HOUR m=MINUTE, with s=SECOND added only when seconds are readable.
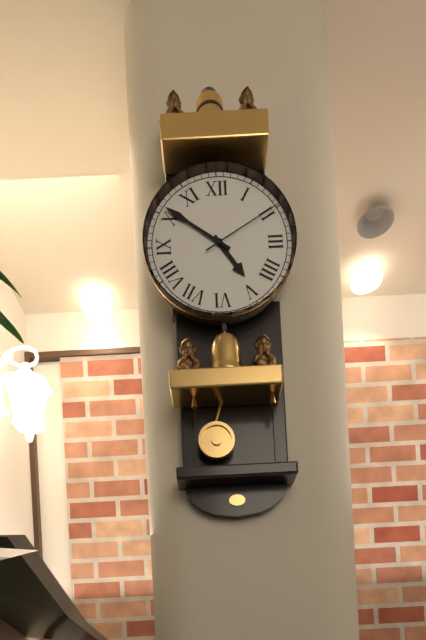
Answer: h=4 m=51 s=10
